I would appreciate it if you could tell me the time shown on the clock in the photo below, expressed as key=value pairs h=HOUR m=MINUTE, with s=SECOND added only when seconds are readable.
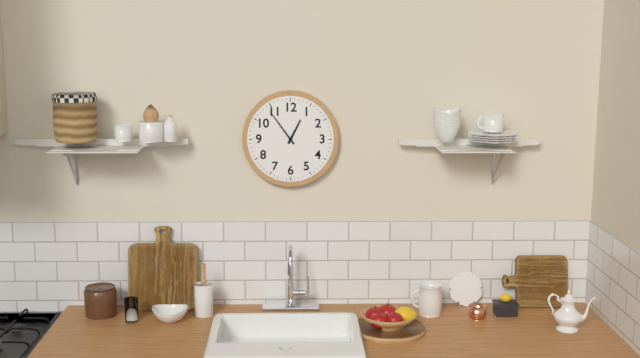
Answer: h=12 m=54
